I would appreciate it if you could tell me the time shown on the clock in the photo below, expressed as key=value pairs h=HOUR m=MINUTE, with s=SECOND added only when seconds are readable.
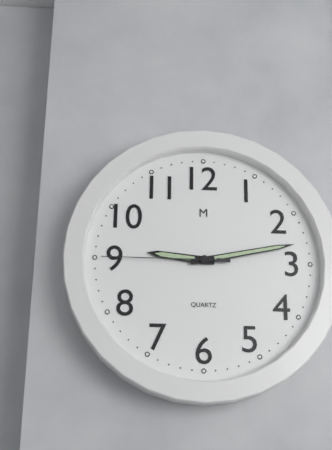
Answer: h=9 m=13 s=45
